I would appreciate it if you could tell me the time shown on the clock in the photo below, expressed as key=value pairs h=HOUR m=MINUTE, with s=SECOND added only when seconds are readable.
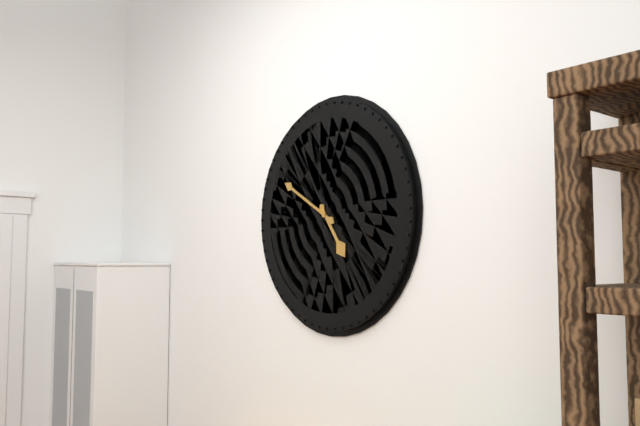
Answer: h=4 m=50
